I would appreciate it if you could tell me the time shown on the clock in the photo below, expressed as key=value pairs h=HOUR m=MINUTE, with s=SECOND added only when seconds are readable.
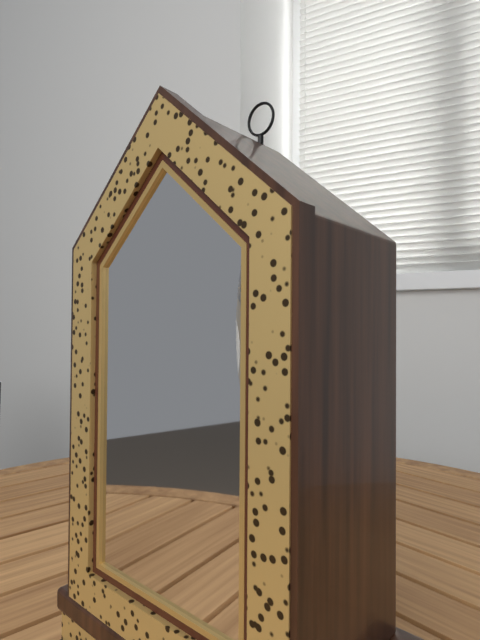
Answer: h=7 m=55
